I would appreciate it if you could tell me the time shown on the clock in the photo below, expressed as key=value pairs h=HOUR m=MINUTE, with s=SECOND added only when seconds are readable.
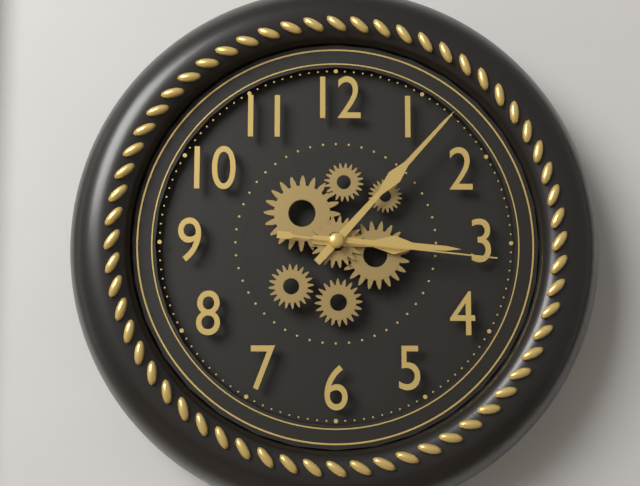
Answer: h=3 m=7 s=16
